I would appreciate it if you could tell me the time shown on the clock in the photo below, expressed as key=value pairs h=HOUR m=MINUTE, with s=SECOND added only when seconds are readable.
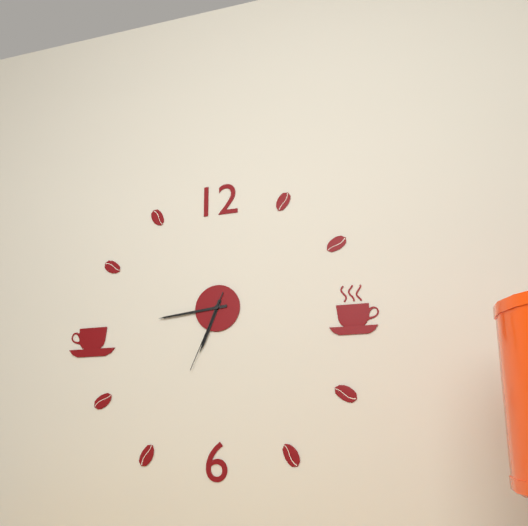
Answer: h=6 m=44 s=34
